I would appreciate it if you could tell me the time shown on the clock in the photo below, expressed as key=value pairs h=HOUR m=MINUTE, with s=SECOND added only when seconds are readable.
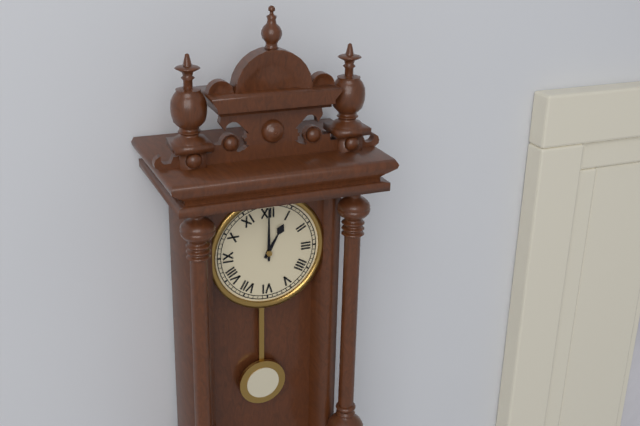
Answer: h=1 m=0
